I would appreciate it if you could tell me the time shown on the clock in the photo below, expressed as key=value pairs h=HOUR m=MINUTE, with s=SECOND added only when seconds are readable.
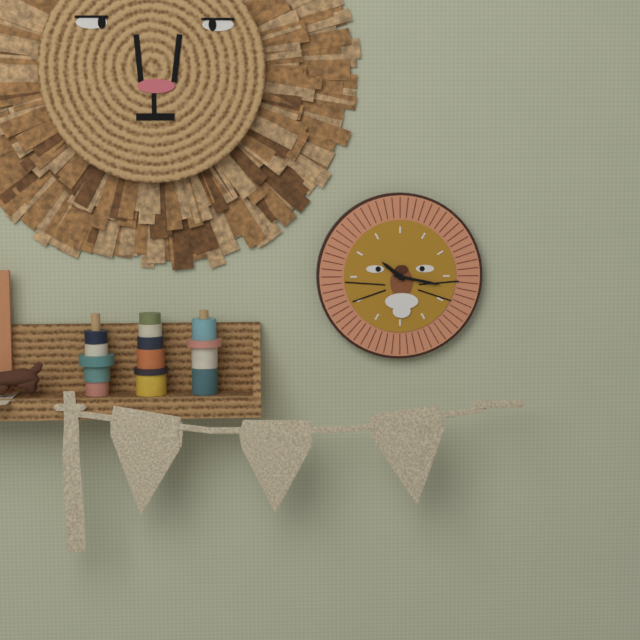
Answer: h=10 m=17
